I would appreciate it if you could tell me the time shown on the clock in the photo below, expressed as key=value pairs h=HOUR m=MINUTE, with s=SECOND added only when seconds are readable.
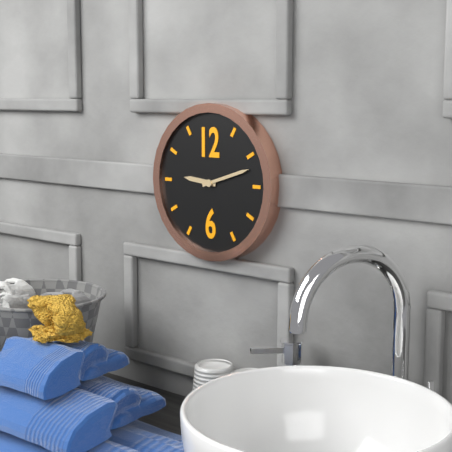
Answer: h=9 m=12
